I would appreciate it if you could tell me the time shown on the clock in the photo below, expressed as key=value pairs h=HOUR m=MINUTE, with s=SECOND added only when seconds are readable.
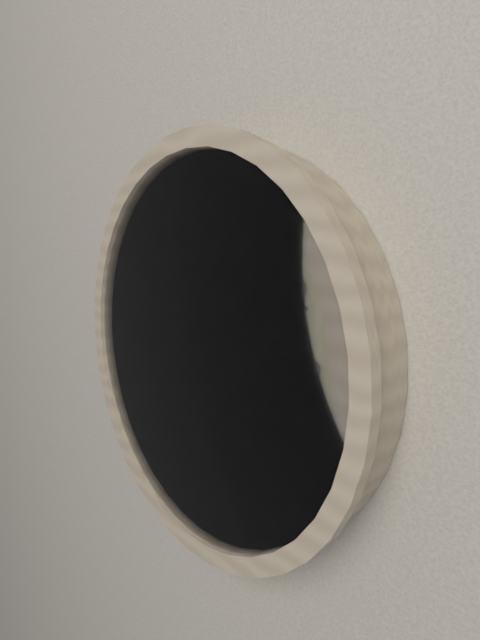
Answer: h=4 m=7 s=54
